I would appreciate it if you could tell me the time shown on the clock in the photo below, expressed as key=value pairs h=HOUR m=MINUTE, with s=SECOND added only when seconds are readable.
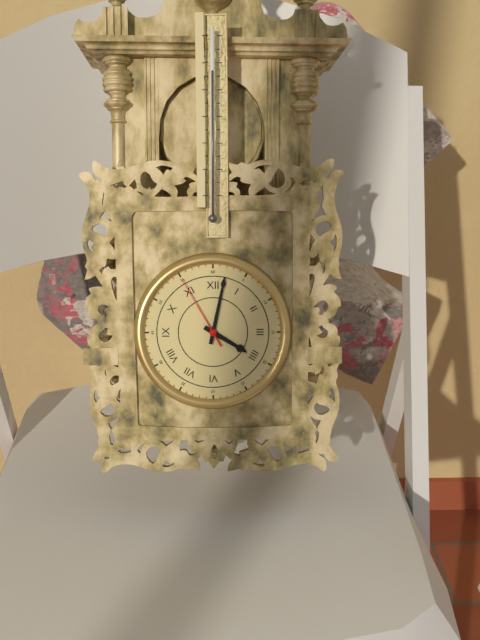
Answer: h=4 m=2 s=55
